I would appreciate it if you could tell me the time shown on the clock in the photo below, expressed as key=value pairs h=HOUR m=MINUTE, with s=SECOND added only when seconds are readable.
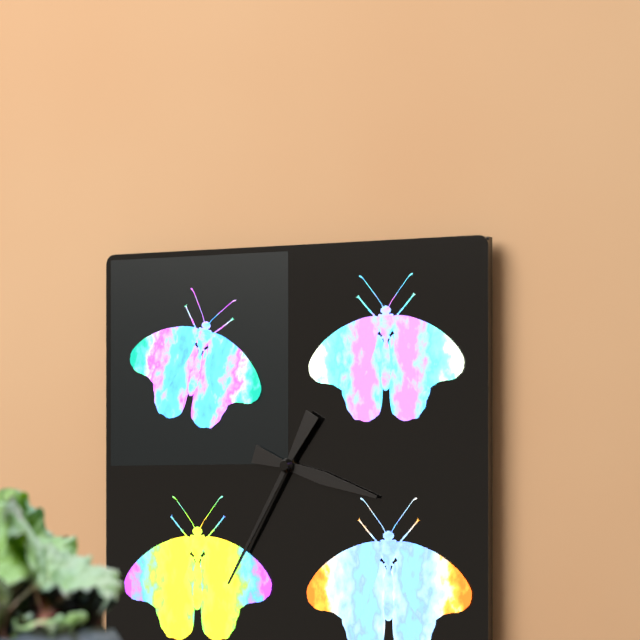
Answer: h=3 m=35
